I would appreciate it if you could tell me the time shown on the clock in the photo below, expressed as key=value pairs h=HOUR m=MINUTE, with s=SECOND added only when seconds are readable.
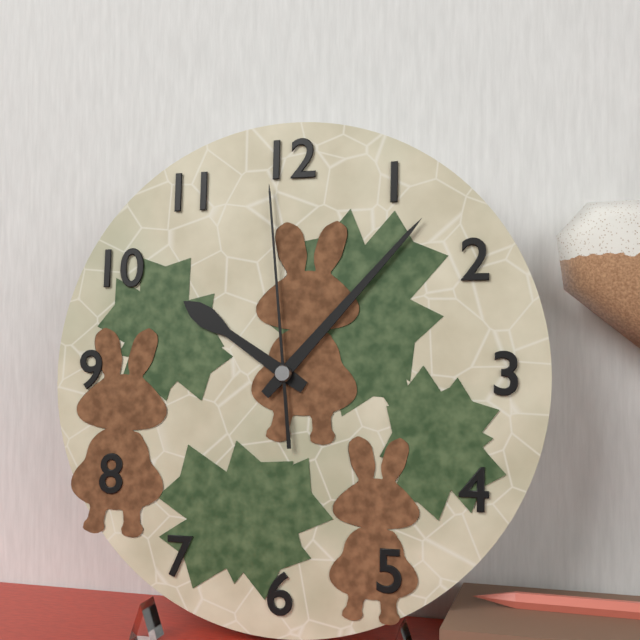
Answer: h=10 m=7 s=59
